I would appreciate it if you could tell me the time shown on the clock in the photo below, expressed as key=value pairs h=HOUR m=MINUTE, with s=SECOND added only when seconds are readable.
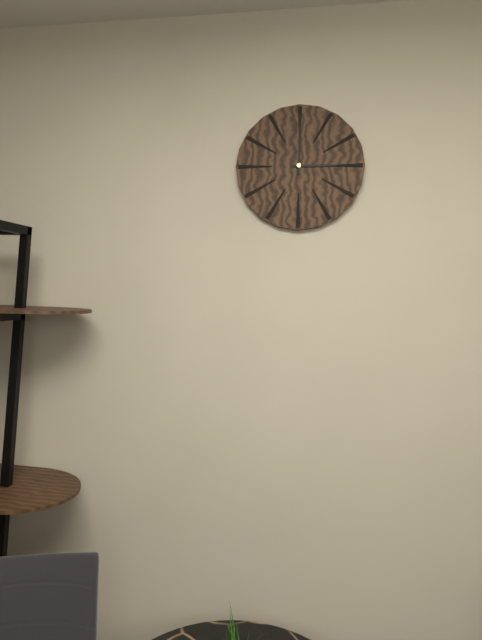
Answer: h=3 m=0
